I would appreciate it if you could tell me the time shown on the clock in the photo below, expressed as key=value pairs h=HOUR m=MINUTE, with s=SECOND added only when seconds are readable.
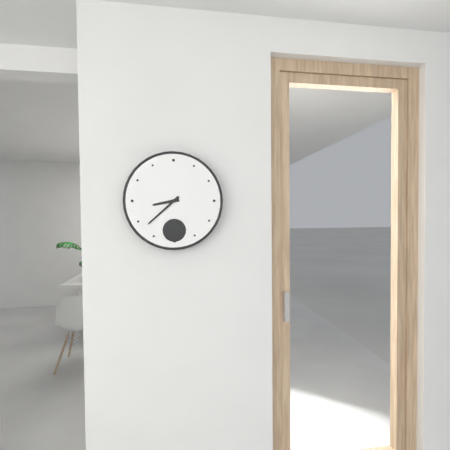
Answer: h=8 m=38
